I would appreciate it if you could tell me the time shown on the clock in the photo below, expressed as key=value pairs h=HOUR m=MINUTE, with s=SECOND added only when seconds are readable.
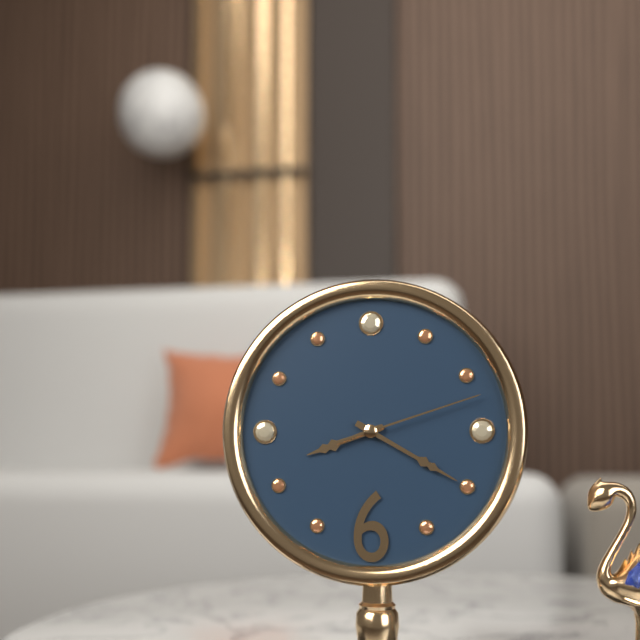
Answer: h=8 m=20 s=12
